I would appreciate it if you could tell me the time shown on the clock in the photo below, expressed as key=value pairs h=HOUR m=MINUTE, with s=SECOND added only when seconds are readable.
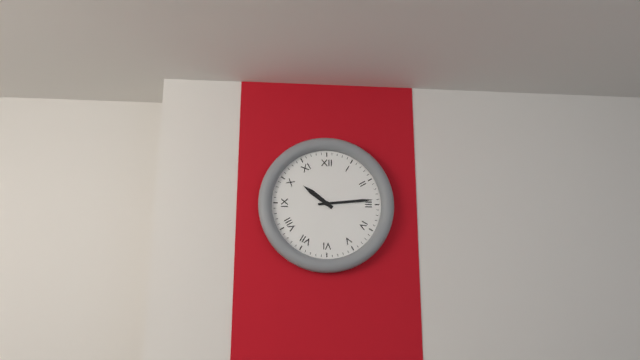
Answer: h=10 m=14
